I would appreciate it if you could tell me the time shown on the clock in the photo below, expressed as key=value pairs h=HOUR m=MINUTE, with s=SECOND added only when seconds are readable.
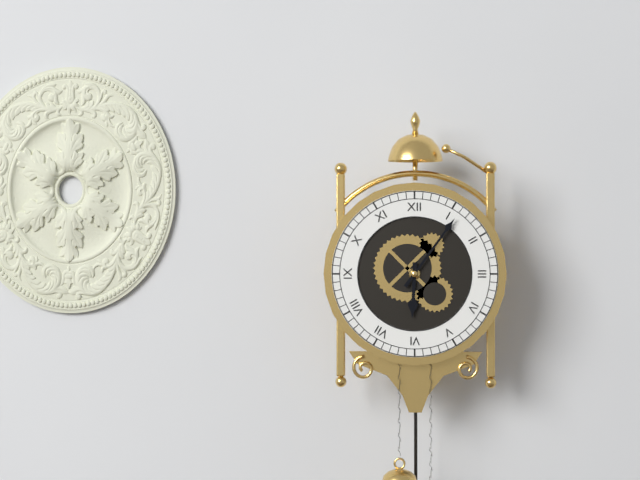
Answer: h=6 m=6
